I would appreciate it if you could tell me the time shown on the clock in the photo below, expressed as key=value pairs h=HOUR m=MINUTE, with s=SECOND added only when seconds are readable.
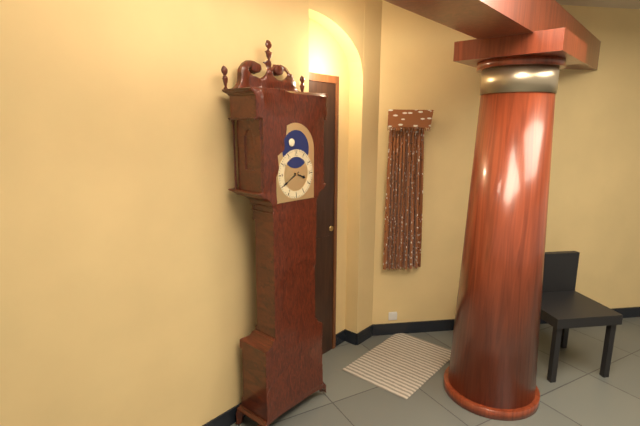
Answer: h=3 m=40
